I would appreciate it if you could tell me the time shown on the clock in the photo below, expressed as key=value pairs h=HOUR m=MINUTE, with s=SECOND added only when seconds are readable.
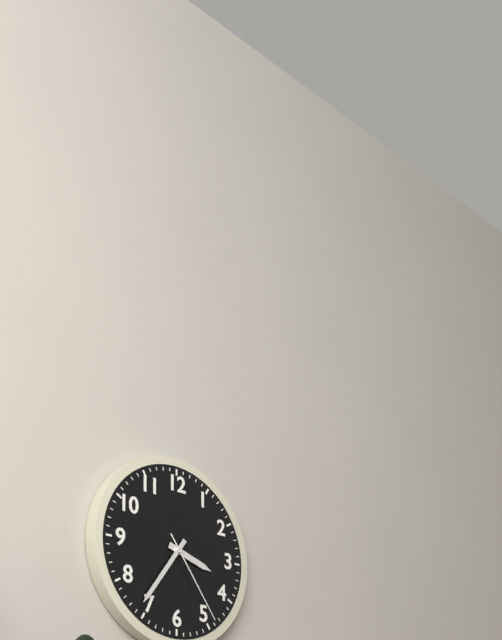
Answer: h=3 m=36 s=24
